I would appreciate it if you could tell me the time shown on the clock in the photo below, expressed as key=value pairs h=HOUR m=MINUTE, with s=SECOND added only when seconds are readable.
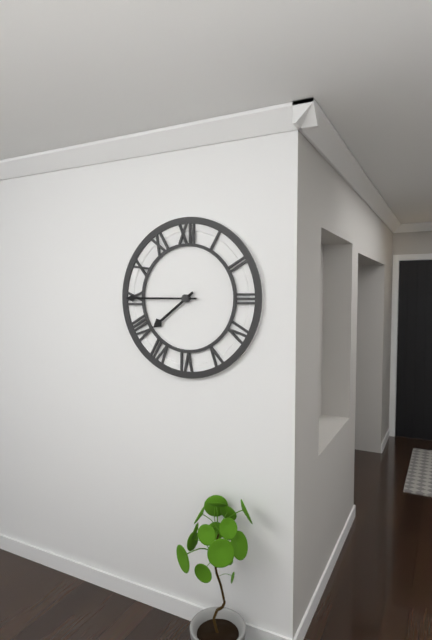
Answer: h=7 m=45
